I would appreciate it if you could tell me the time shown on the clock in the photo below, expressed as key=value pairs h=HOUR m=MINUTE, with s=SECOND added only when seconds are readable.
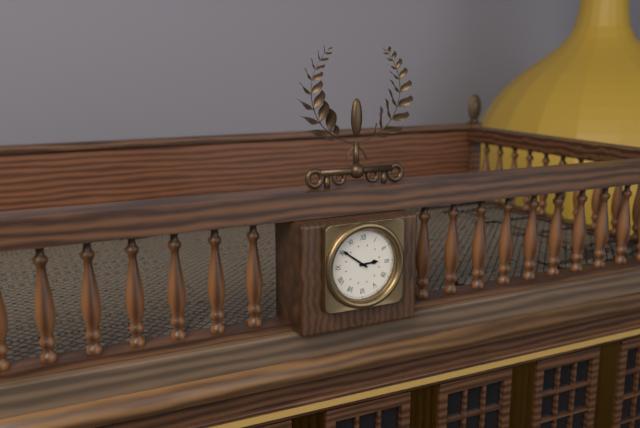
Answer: h=2 m=51
